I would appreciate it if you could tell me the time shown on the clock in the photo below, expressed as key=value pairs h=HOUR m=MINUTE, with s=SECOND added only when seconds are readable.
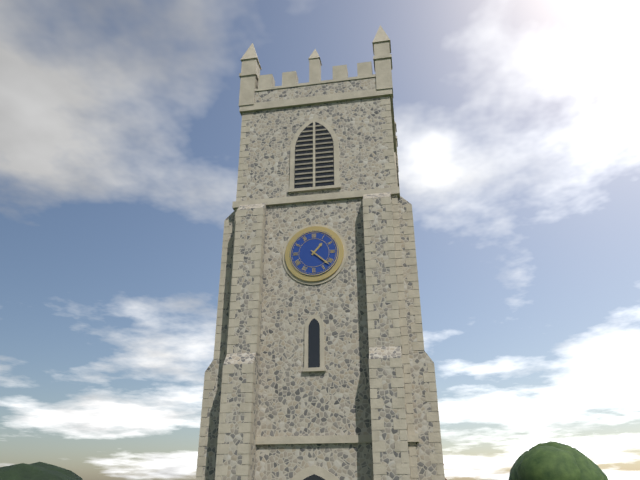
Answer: h=1 m=22
